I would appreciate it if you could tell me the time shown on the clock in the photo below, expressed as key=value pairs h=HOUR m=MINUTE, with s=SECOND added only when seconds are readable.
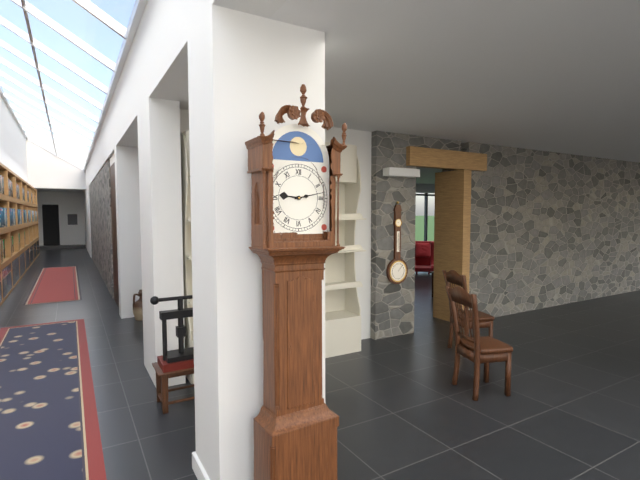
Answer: h=9 m=13
